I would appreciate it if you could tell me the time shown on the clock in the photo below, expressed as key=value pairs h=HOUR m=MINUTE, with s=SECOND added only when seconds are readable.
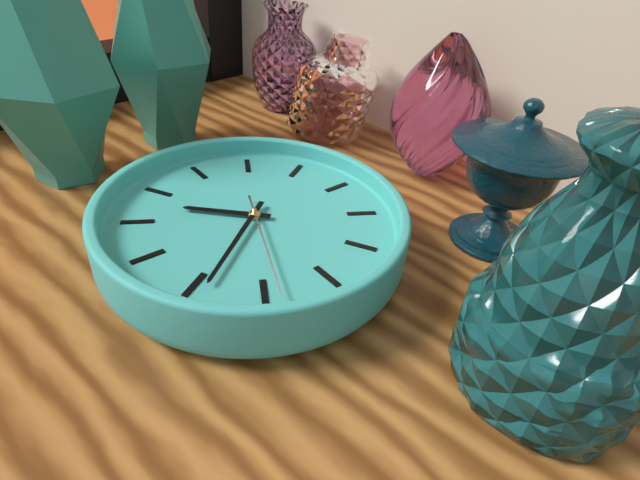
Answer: h=8 m=29 s=24
